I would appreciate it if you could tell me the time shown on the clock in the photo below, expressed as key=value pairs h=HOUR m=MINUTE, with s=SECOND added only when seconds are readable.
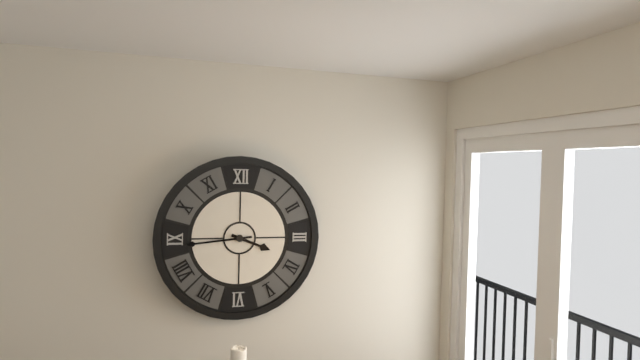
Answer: h=3 m=44
